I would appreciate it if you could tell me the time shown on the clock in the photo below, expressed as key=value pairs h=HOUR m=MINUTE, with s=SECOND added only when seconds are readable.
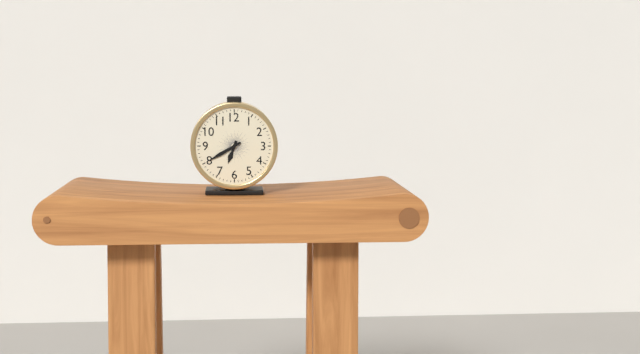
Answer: h=6 m=40
